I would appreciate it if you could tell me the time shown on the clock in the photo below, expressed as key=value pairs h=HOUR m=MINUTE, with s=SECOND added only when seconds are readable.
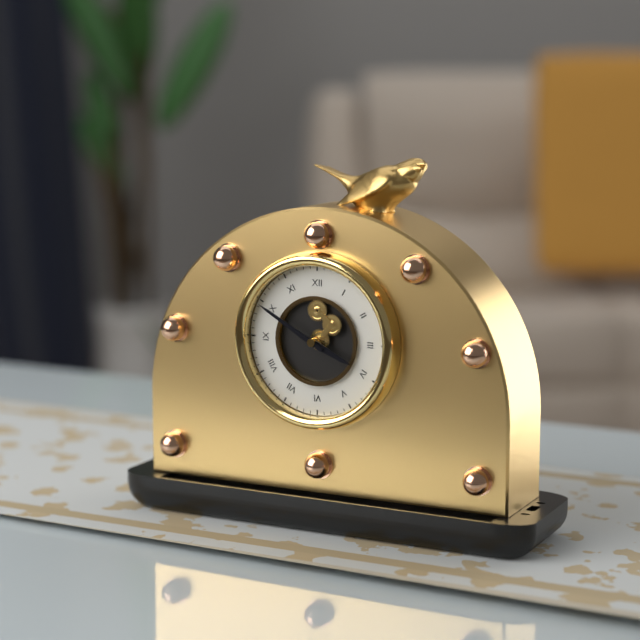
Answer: h=3 m=50
